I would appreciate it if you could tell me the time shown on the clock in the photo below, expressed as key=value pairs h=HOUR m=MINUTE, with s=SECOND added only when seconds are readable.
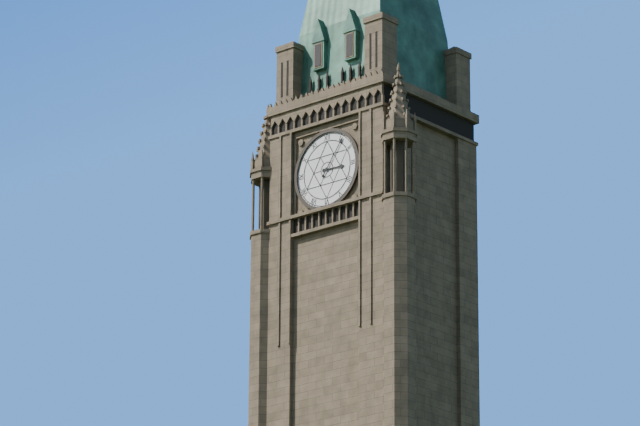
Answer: h=3 m=6
